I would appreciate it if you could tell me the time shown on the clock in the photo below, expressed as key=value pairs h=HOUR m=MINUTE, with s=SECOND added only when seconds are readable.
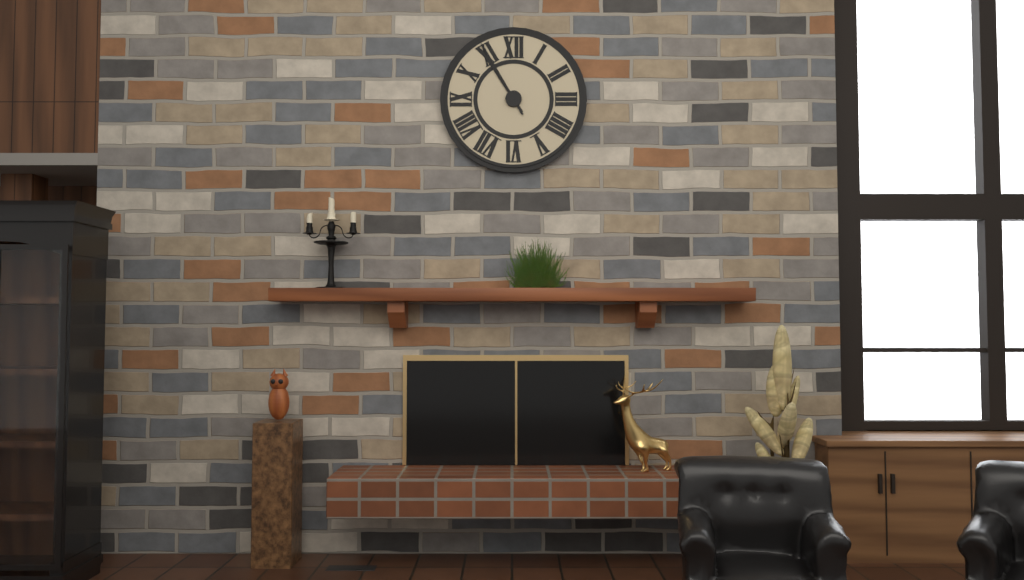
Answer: h=10 m=55
